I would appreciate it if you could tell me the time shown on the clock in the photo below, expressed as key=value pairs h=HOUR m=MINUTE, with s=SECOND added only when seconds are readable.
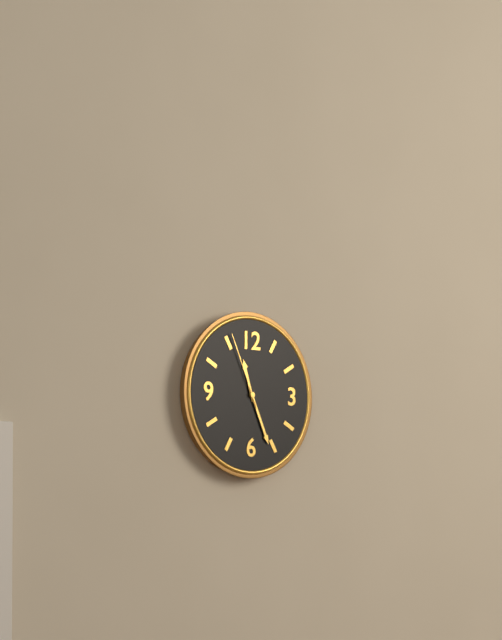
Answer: h=11 m=26 s=56
